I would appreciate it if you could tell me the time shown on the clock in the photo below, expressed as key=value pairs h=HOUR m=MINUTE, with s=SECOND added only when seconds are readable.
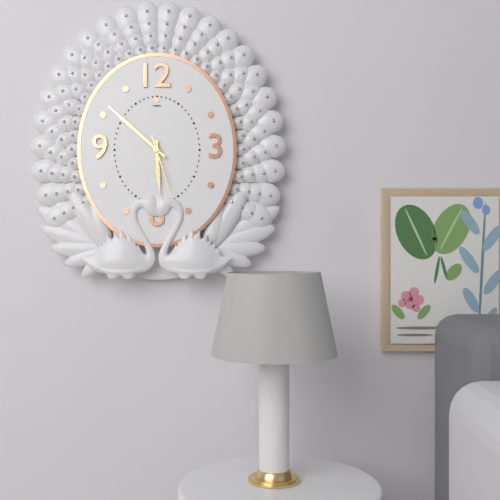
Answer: h=5 m=52 s=27
